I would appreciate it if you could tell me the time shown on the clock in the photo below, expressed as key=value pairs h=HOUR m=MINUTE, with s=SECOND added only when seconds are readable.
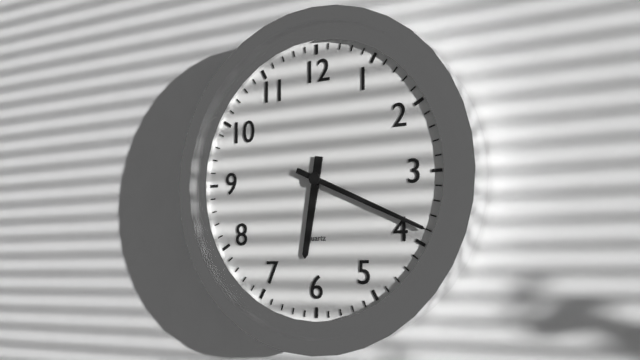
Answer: h=6 m=19
